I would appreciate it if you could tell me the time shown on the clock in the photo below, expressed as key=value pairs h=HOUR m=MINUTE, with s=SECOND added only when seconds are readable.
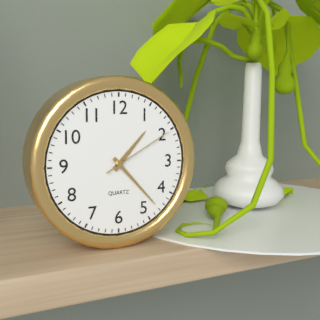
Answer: h=1 m=23 s=10
